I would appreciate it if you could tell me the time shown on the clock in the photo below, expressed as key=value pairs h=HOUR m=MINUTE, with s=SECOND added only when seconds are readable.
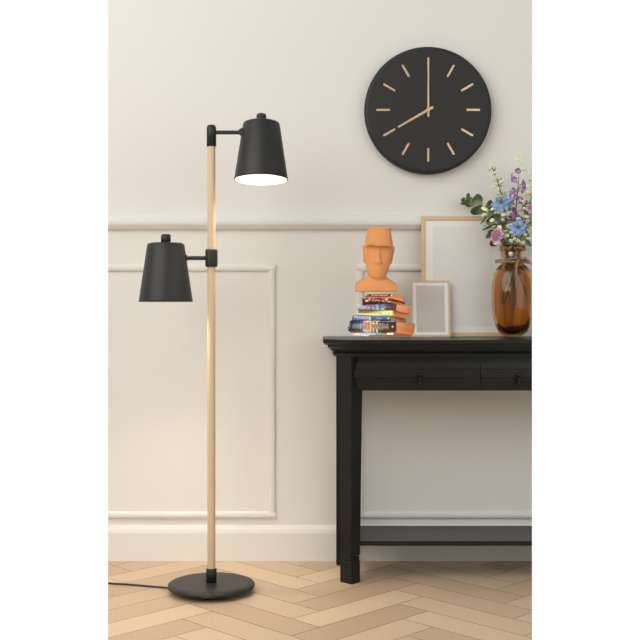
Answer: h=8 m=0
